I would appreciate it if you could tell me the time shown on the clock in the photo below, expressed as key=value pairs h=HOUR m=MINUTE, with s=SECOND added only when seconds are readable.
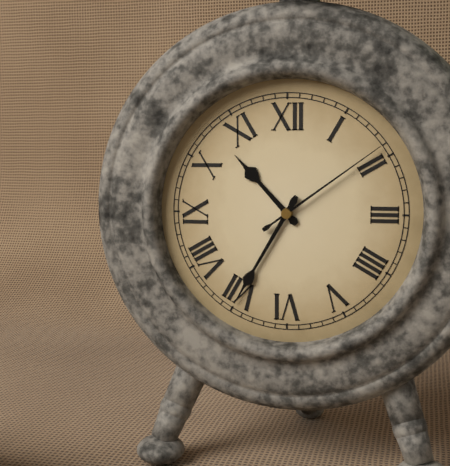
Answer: h=10 m=35 s=9
